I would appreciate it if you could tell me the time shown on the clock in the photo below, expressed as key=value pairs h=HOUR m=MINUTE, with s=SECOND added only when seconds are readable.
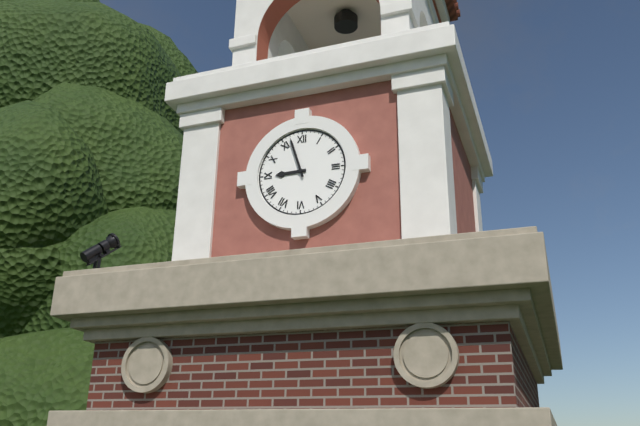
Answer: h=8 m=57
